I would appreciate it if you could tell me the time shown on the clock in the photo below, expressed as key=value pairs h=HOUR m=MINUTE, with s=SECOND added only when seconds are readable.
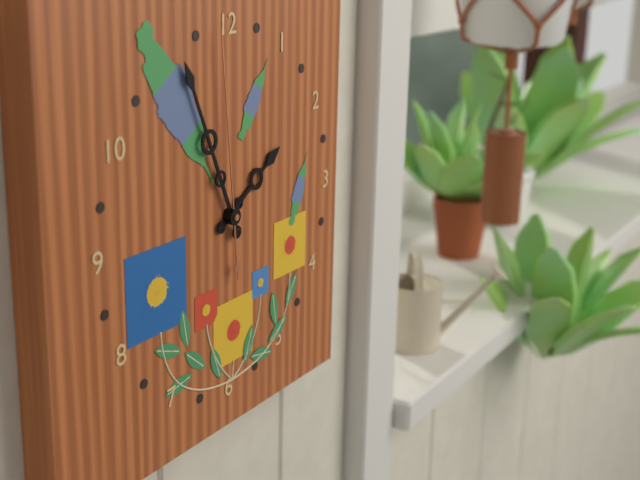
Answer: h=1 m=56 s=59
